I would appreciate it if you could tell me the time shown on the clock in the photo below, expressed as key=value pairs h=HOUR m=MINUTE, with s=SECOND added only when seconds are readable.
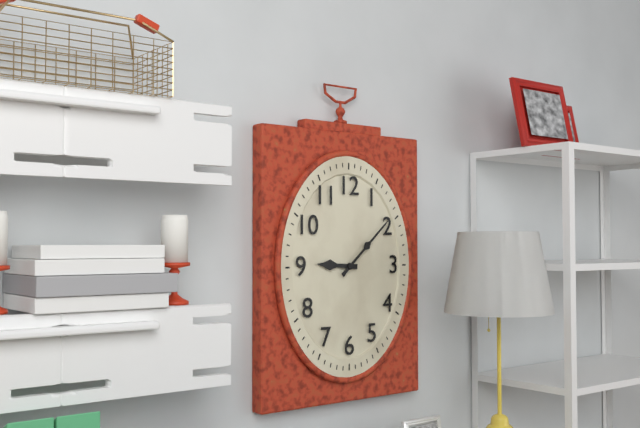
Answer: h=9 m=8
